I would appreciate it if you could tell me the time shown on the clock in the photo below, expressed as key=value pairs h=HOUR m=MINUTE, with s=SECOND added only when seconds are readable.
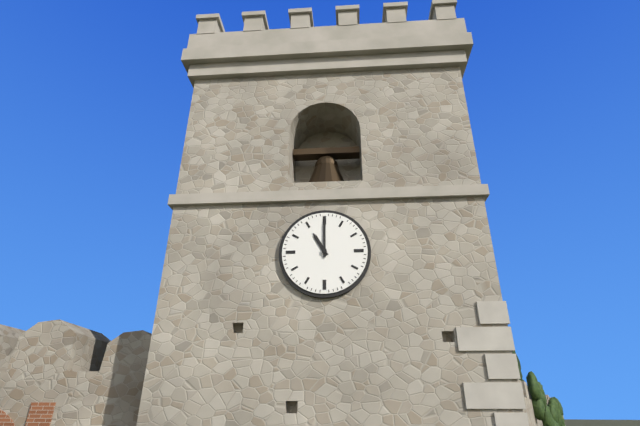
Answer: h=11 m=0
